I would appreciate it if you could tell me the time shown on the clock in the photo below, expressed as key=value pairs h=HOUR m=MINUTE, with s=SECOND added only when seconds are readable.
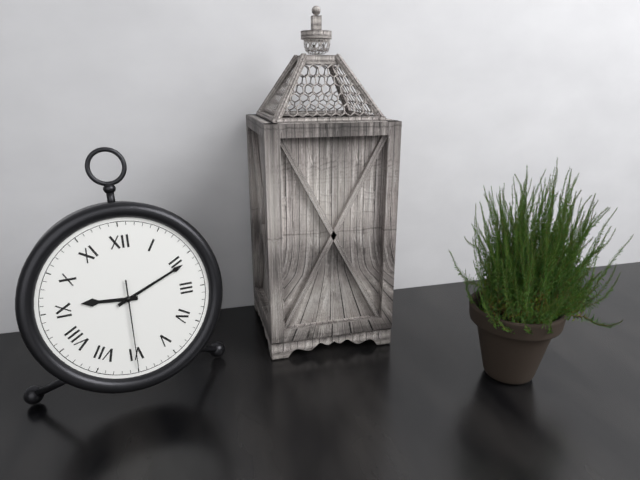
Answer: h=9 m=11 s=30
